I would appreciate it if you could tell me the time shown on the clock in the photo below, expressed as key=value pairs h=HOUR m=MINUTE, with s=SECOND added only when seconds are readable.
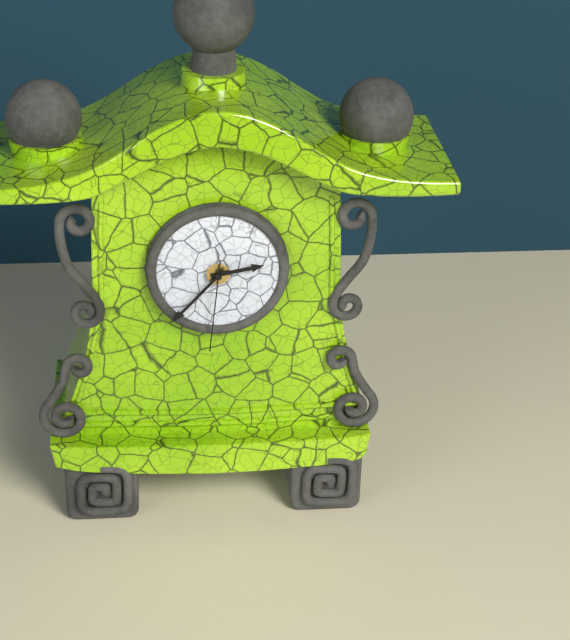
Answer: h=2 m=37 s=31
